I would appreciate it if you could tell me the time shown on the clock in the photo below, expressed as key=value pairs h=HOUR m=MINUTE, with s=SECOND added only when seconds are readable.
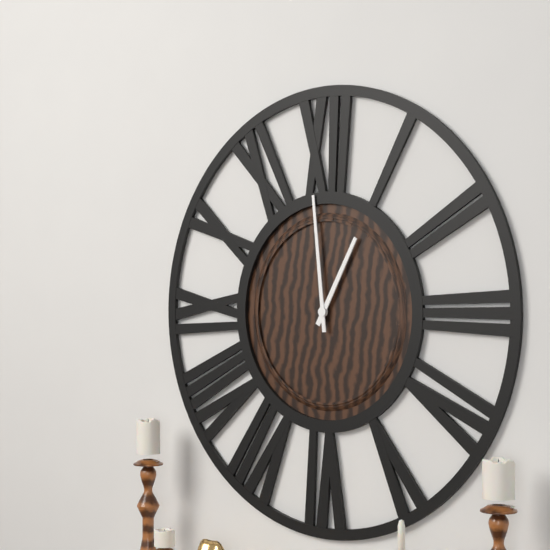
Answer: h=12 m=59
